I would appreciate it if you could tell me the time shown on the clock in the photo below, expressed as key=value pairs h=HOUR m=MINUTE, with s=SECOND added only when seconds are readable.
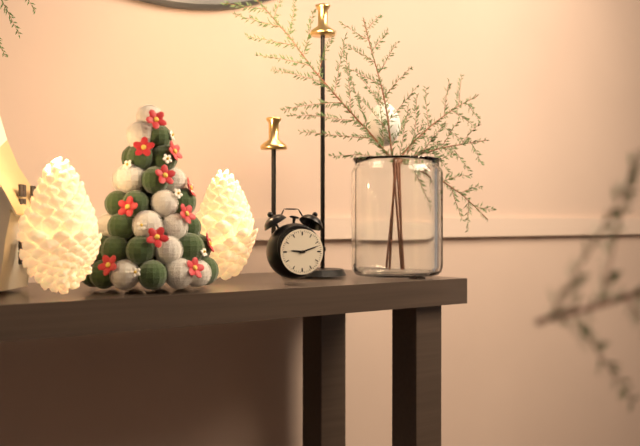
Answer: h=9 m=12
